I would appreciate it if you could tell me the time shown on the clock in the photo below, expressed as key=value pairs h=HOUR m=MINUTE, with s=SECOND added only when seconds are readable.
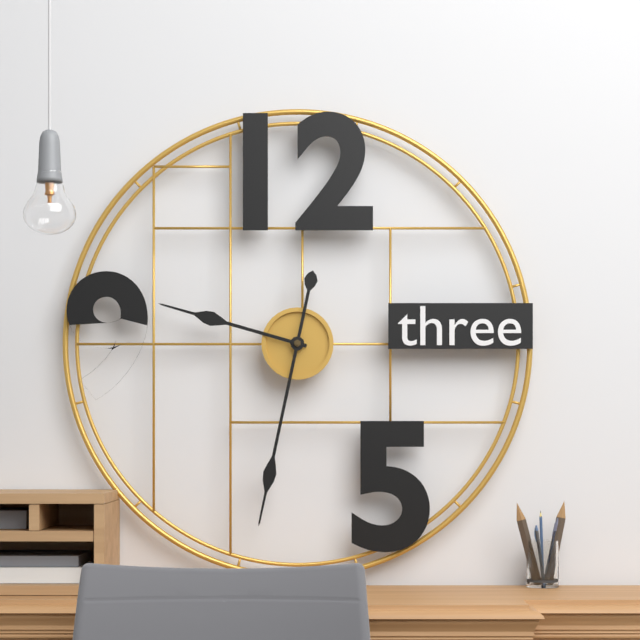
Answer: h=9 m=32
